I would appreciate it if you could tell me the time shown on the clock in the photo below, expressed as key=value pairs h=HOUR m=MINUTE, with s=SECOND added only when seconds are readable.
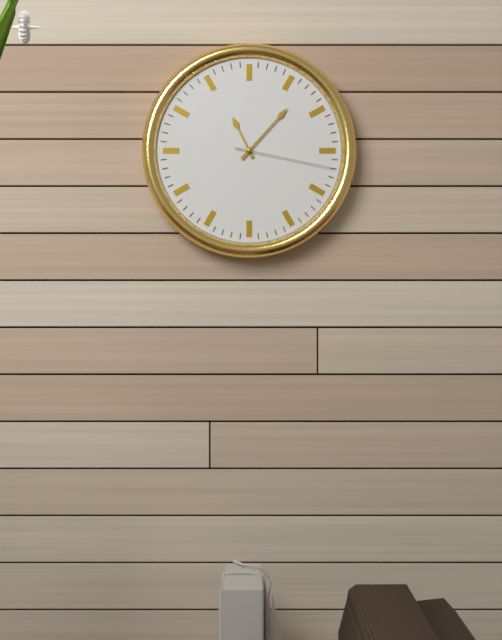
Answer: h=11 m=7 s=17
